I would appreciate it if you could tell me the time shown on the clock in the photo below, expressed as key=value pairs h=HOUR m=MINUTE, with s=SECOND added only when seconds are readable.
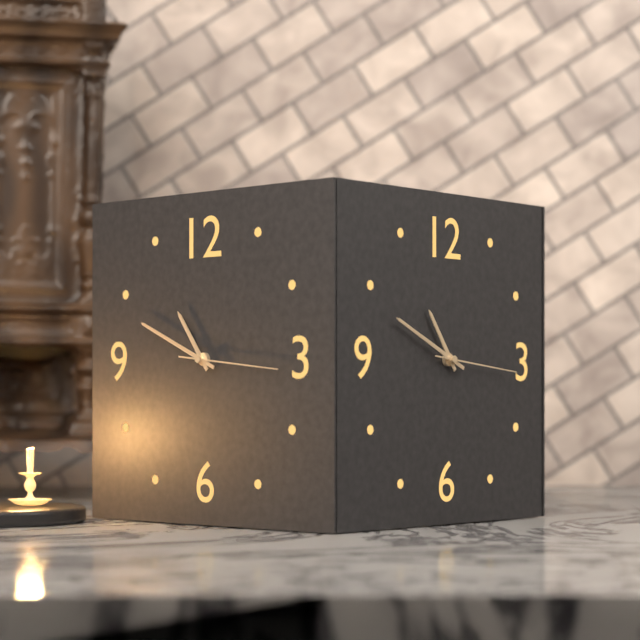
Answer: h=10 m=49 s=16
